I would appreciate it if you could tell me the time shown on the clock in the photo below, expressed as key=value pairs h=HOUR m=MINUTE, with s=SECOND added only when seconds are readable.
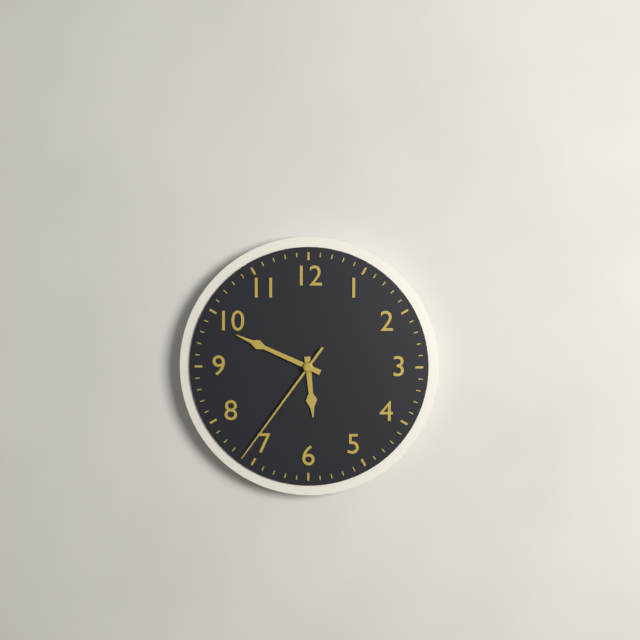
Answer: h=5 m=49 s=36
